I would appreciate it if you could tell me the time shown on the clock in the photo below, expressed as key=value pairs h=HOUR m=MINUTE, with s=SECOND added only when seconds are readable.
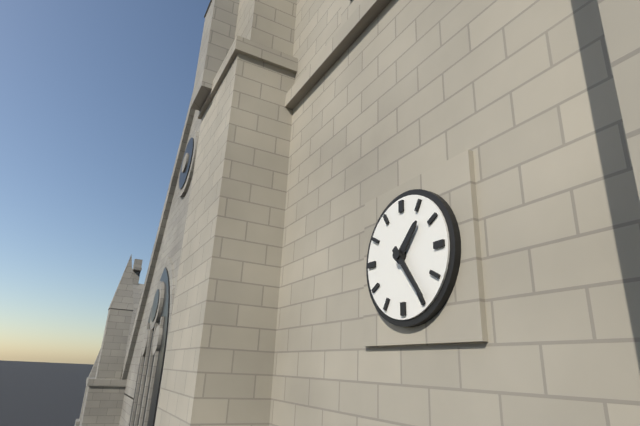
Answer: h=1 m=24
